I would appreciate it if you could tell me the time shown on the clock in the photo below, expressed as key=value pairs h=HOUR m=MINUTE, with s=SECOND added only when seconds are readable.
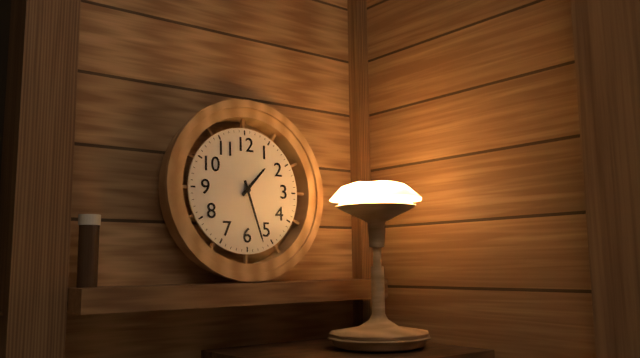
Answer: h=1 m=27
